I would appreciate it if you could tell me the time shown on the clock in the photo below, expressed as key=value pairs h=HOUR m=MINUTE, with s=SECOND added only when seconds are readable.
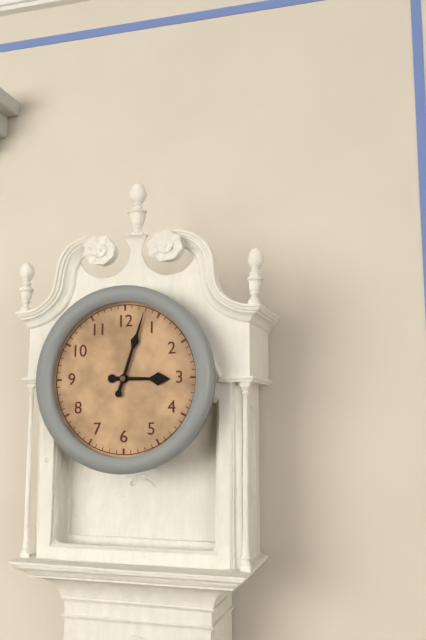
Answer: h=3 m=3
